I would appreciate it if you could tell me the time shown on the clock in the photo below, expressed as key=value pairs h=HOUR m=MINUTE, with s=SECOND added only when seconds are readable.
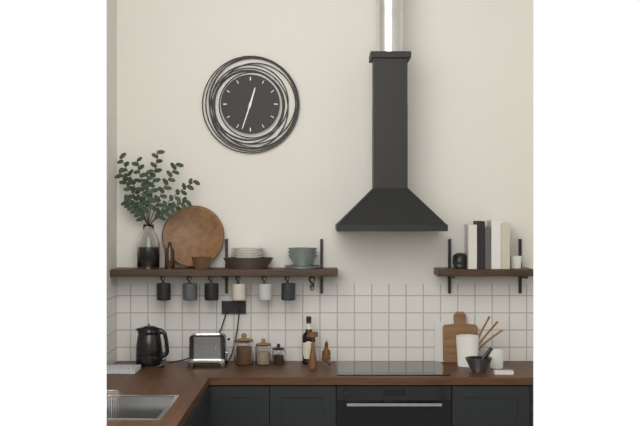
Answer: h=12 m=33
